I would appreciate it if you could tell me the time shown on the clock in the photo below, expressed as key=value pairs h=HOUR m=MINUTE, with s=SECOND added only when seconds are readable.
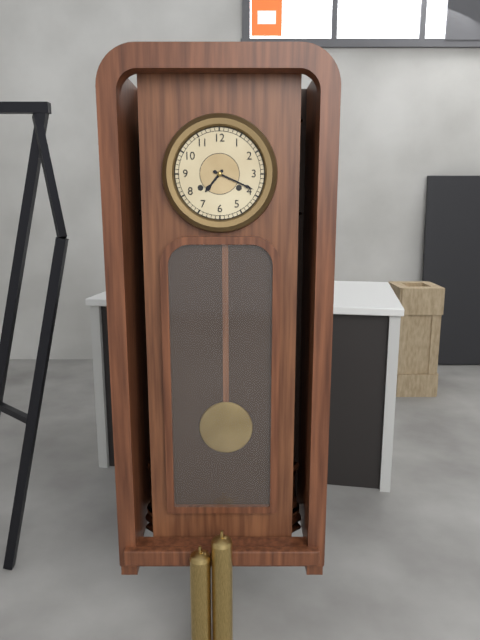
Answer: h=7 m=19
